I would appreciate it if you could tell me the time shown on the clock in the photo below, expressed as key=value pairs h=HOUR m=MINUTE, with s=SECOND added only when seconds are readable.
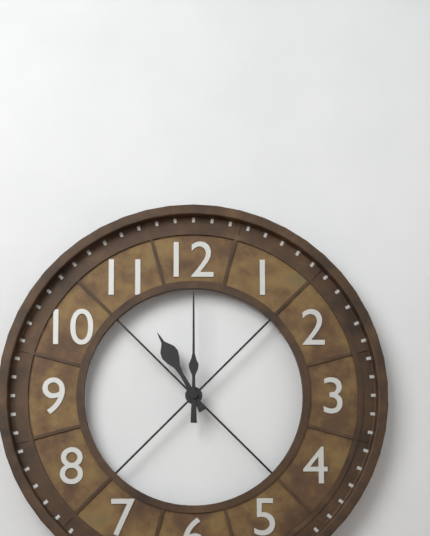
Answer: h=11 m=0
